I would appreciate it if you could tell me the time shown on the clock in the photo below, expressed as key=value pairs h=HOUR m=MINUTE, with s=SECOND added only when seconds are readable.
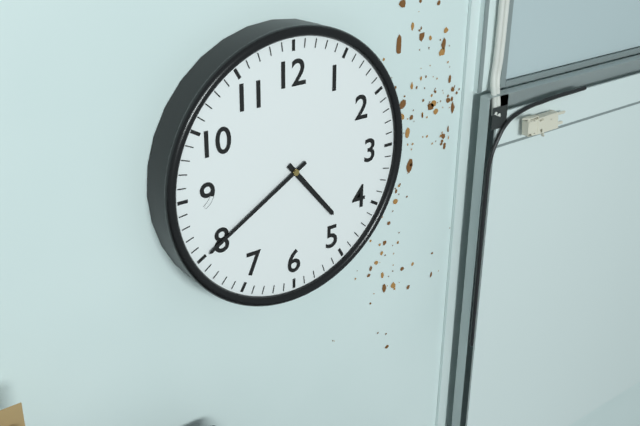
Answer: h=4 m=40
